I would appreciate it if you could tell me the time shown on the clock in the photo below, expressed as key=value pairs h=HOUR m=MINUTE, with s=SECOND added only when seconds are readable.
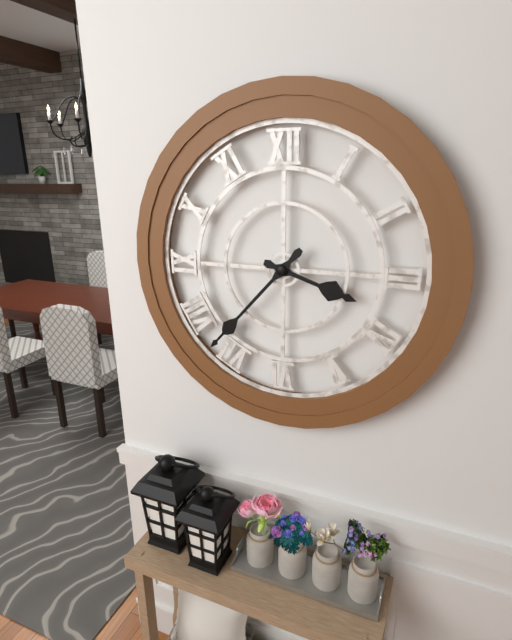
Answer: h=3 m=37
